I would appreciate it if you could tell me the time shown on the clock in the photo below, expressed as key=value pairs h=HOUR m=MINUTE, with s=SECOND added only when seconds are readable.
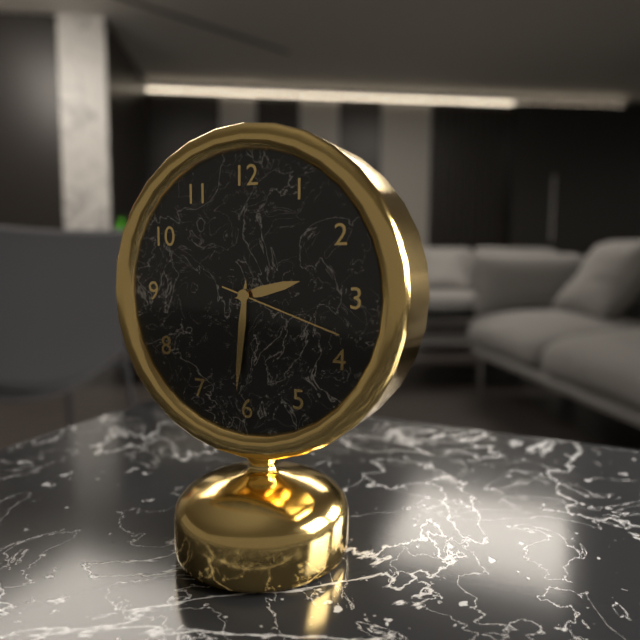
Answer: h=2 m=31 s=18
